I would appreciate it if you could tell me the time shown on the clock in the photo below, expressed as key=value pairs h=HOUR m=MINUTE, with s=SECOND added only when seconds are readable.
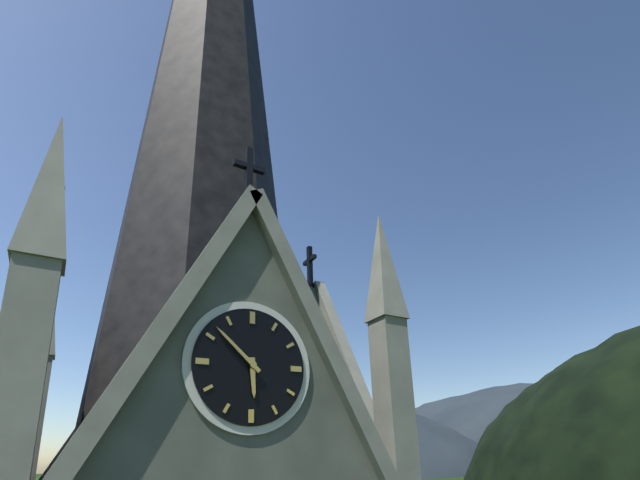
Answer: h=5 m=52
